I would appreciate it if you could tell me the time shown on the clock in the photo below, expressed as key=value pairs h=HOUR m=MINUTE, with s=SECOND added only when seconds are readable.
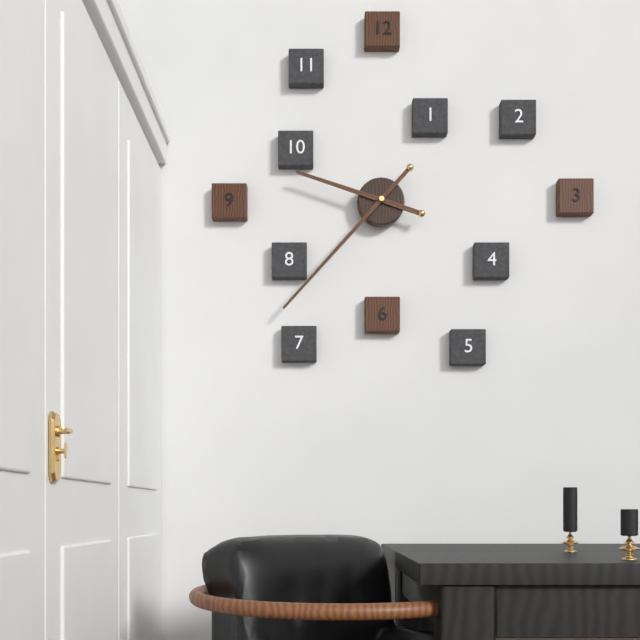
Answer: h=9 m=37
